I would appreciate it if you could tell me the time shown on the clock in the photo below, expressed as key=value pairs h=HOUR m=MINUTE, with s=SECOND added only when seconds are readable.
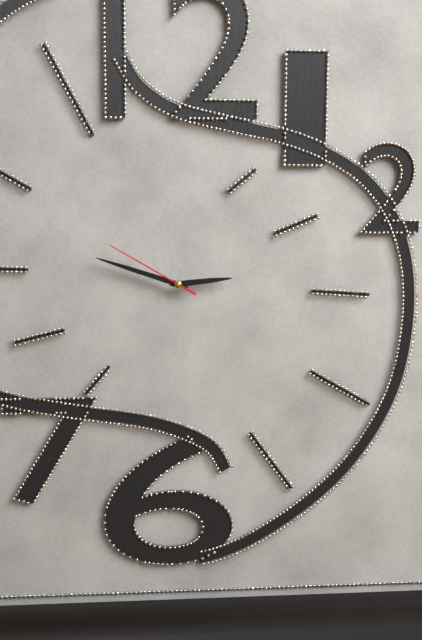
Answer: h=2 m=48 s=50
